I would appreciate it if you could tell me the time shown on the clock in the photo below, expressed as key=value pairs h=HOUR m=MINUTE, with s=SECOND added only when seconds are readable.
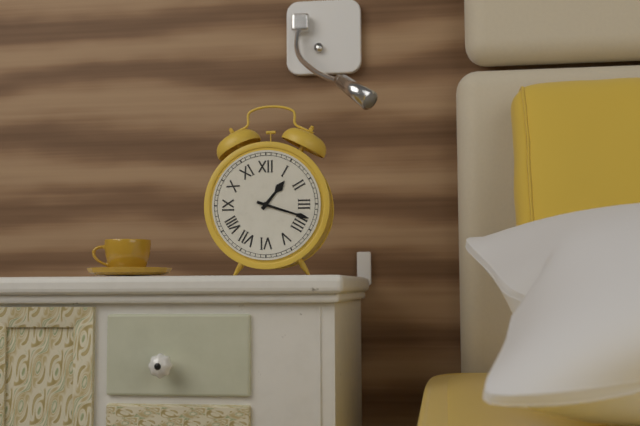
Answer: h=1 m=18
